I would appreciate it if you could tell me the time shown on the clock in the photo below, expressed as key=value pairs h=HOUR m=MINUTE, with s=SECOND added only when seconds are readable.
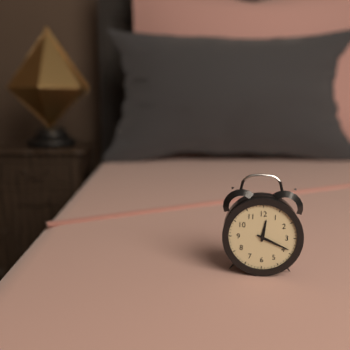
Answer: h=12 m=19
